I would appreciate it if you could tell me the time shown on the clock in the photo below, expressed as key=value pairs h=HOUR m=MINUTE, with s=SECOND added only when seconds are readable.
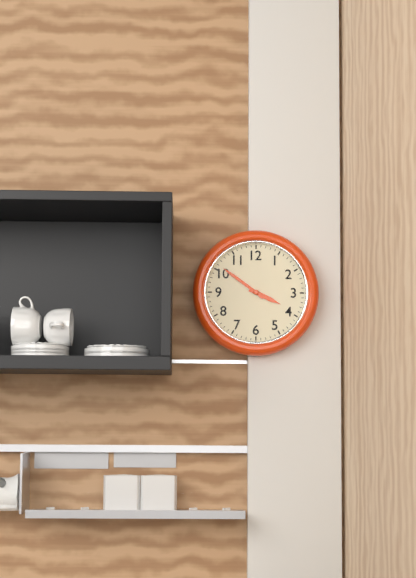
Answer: h=3 m=51
